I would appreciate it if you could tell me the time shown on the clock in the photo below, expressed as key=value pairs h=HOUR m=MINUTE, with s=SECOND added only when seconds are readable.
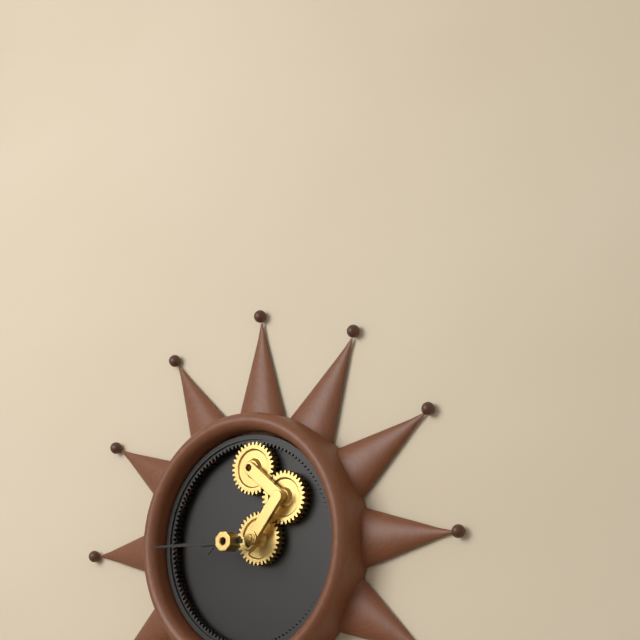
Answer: h=8 m=45
